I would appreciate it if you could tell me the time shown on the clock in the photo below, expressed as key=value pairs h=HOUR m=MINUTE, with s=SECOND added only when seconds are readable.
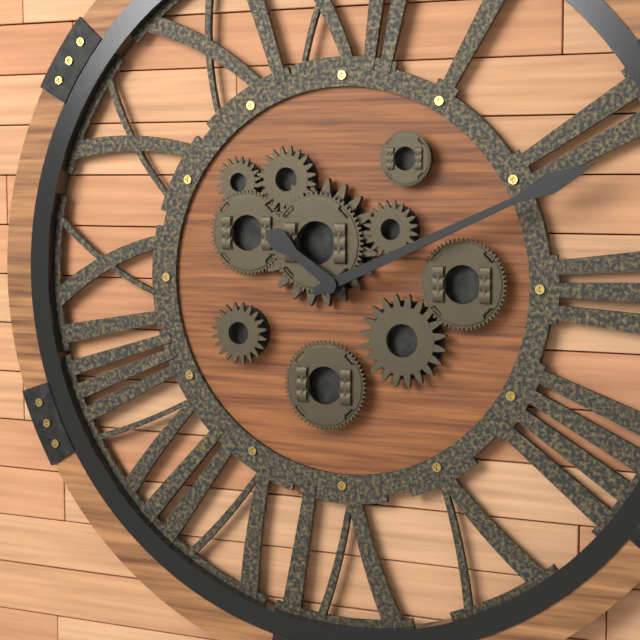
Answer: h=10 m=11
